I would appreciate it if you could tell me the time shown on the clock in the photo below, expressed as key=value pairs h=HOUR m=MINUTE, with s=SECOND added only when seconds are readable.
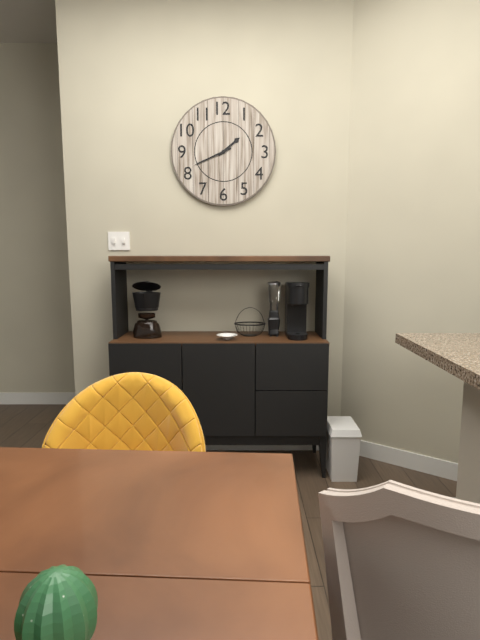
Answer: h=1 m=41
